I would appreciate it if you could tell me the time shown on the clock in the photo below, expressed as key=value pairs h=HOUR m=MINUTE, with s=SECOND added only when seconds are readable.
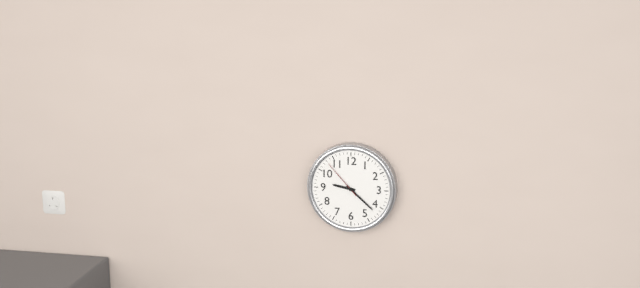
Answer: h=9 m=22
